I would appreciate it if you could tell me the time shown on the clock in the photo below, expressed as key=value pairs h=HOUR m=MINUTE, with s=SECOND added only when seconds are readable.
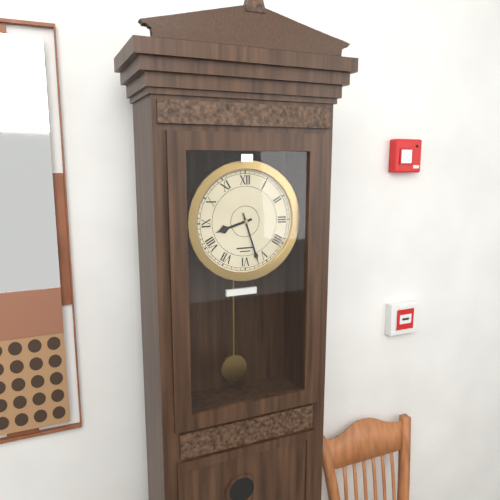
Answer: h=8 m=27
